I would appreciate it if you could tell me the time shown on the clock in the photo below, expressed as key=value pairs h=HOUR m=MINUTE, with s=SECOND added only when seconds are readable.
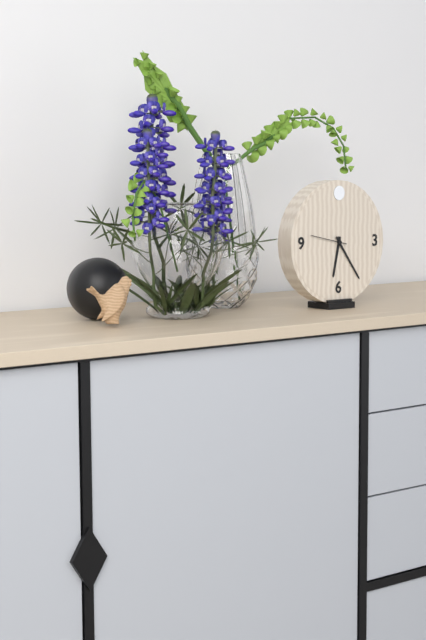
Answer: h=6 m=24
